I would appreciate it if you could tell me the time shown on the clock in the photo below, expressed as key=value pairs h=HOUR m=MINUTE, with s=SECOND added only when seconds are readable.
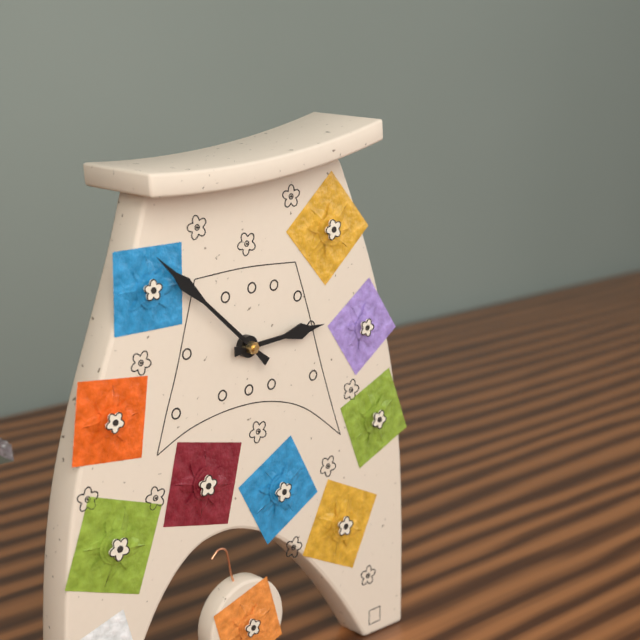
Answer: h=2 m=52
